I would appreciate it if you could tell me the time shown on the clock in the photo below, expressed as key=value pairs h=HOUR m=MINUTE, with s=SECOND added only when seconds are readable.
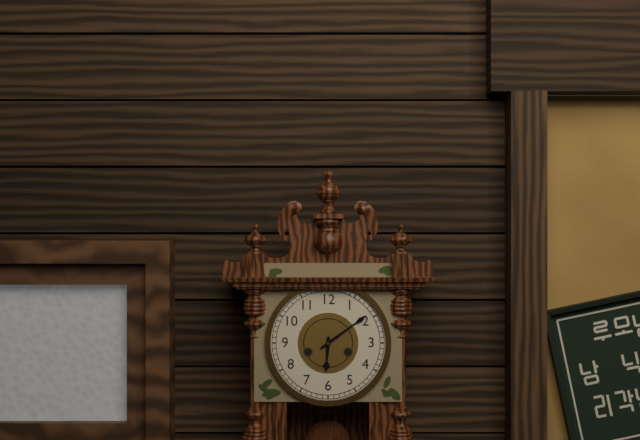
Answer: h=6 m=9
